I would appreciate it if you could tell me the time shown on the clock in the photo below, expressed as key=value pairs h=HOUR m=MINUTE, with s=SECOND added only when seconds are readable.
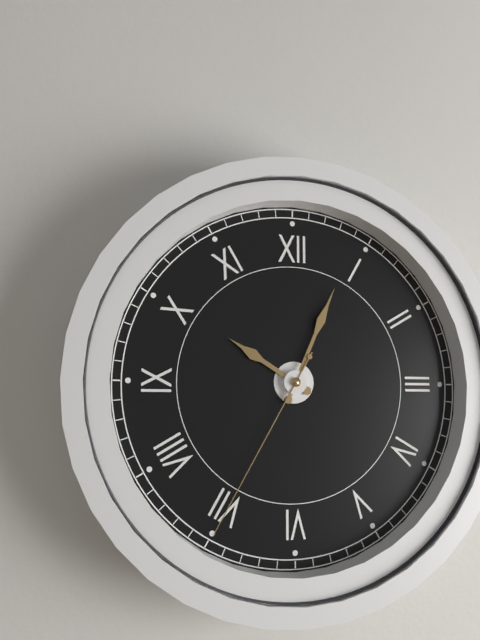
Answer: h=10 m=4 s=35
